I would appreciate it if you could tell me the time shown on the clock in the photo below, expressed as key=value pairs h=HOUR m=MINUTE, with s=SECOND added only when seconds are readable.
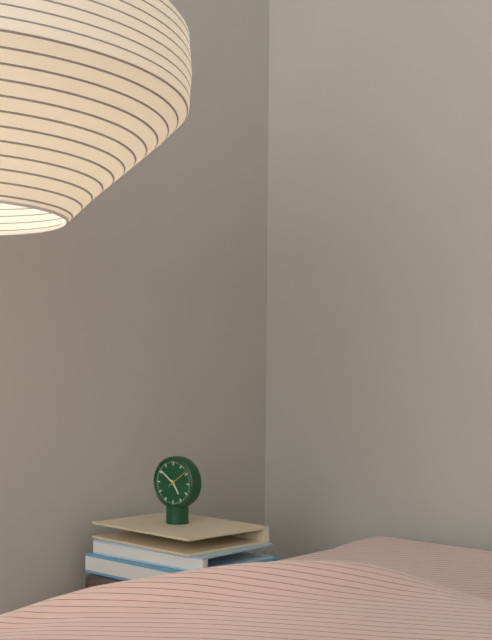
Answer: h=4 m=51
